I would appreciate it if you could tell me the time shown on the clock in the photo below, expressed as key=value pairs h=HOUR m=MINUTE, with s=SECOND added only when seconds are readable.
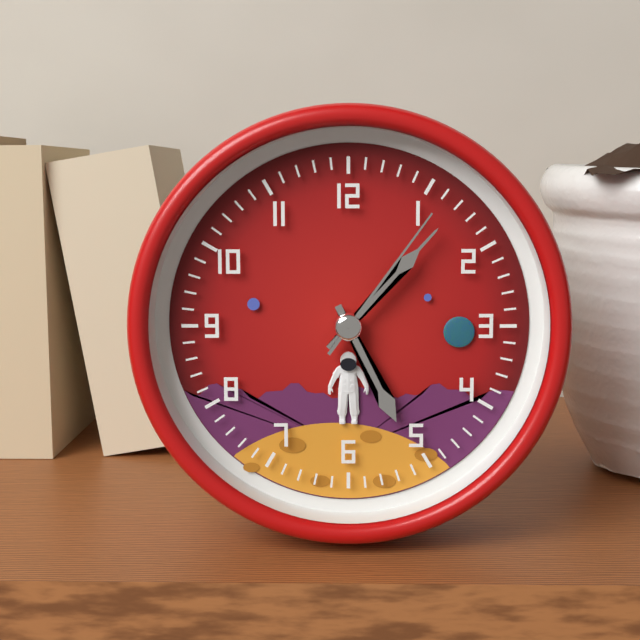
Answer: h=5 m=7 s=6
